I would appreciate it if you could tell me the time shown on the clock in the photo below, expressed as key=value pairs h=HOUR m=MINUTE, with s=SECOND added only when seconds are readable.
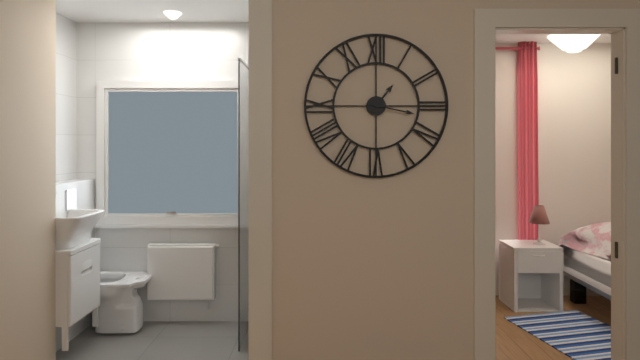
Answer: h=1 m=17
